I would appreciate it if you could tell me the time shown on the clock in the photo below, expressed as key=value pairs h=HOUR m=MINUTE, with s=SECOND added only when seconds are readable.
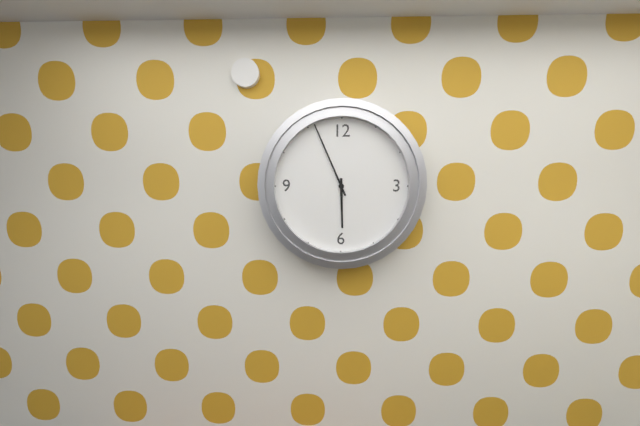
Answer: h=5 m=56
